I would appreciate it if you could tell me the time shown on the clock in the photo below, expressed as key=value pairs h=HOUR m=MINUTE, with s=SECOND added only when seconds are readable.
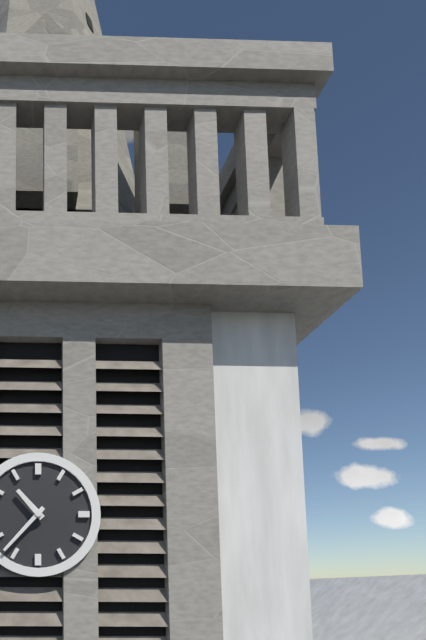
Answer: h=10 m=37
